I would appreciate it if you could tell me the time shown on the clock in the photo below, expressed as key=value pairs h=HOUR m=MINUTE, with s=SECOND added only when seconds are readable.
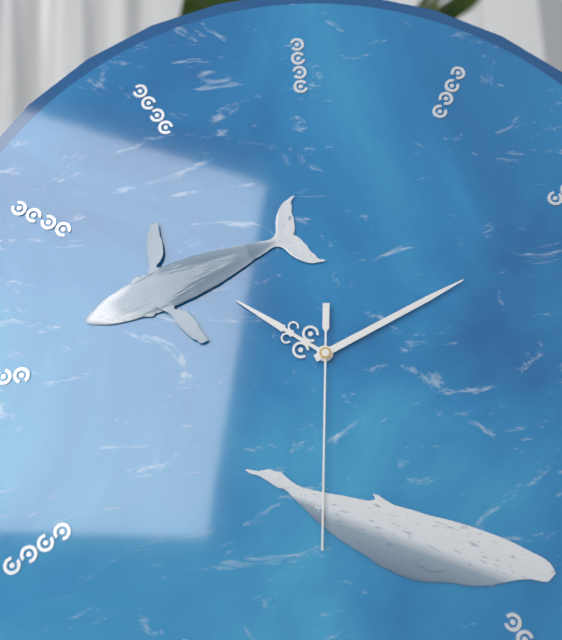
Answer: h=10 m=11 s=31
